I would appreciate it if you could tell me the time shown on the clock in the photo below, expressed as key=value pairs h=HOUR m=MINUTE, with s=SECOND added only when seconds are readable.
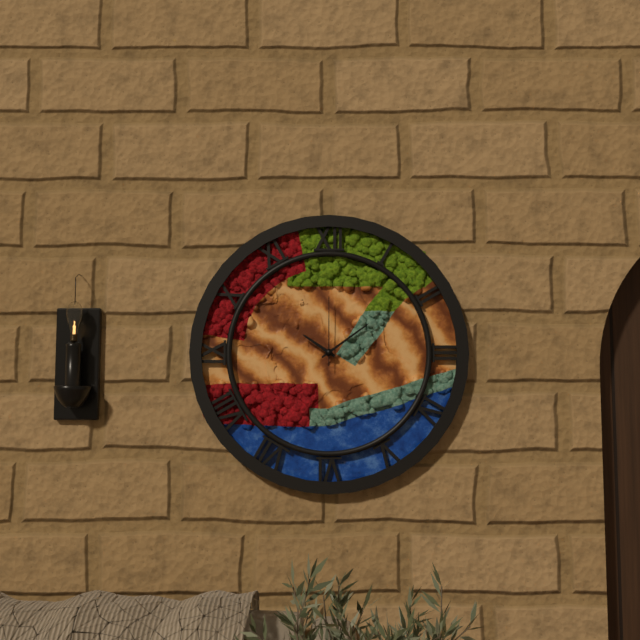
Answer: h=10 m=9 s=0
